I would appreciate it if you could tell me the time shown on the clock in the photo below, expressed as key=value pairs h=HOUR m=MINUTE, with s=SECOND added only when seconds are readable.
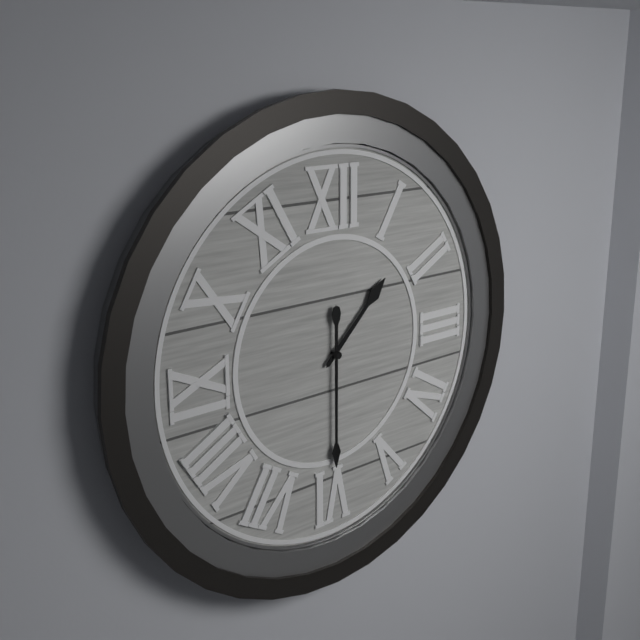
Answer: h=1 m=30
